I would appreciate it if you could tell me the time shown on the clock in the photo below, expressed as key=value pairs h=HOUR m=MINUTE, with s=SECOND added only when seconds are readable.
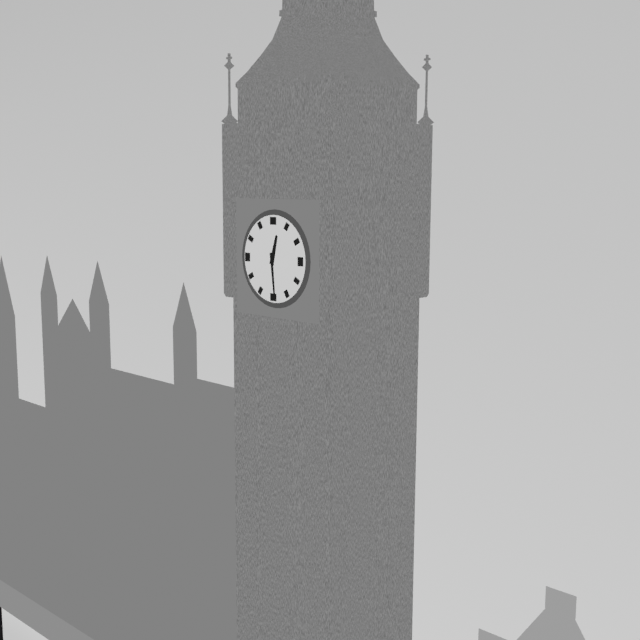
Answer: h=12 m=29
